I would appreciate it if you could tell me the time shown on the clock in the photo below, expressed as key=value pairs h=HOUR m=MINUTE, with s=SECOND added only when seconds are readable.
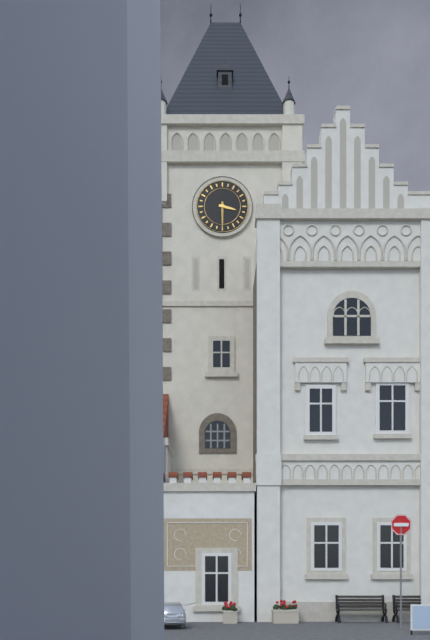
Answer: h=3 m=30
